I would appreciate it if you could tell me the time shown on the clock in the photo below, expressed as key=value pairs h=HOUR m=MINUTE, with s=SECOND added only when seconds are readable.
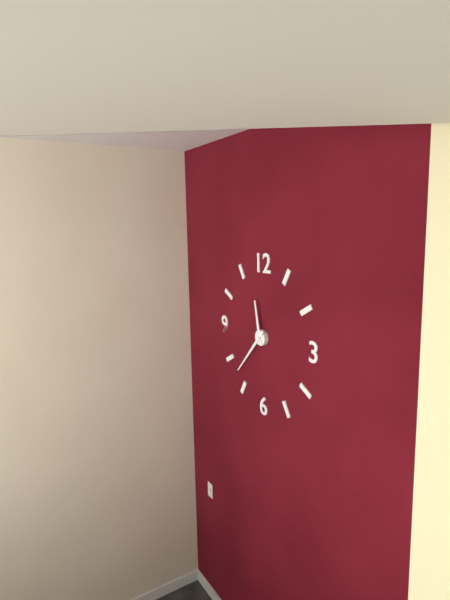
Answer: h=11 m=37
